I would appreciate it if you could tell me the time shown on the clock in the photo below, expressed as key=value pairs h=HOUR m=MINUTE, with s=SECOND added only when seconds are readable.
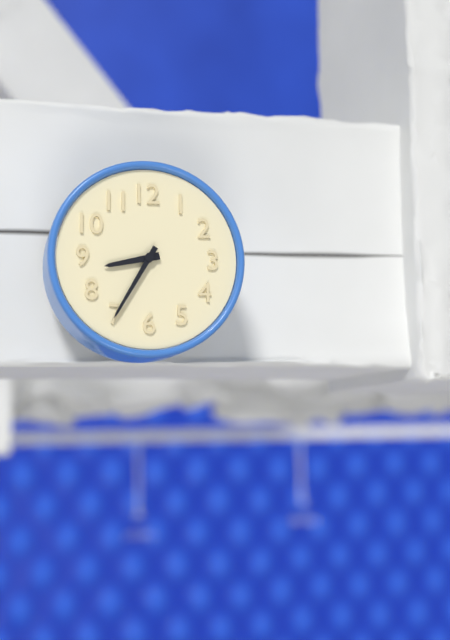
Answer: h=8 m=35
